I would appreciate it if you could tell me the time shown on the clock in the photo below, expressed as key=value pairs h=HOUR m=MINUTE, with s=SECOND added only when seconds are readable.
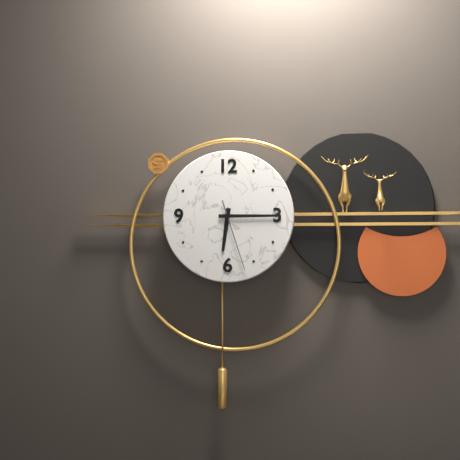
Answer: h=6 m=15 s=27
